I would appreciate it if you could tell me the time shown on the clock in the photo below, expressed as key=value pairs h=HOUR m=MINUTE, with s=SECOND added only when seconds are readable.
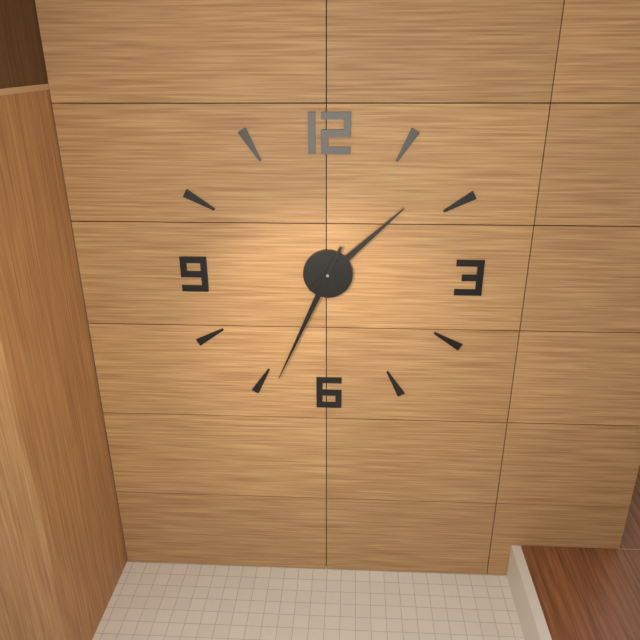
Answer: h=1 m=34
